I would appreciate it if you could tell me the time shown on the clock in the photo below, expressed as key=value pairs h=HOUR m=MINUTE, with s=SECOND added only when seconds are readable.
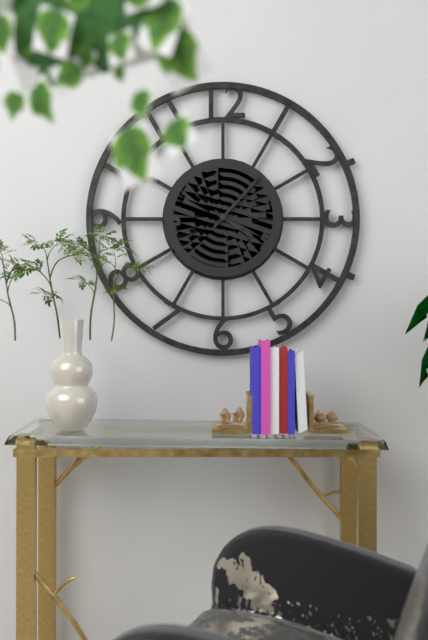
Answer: h=4 m=7
